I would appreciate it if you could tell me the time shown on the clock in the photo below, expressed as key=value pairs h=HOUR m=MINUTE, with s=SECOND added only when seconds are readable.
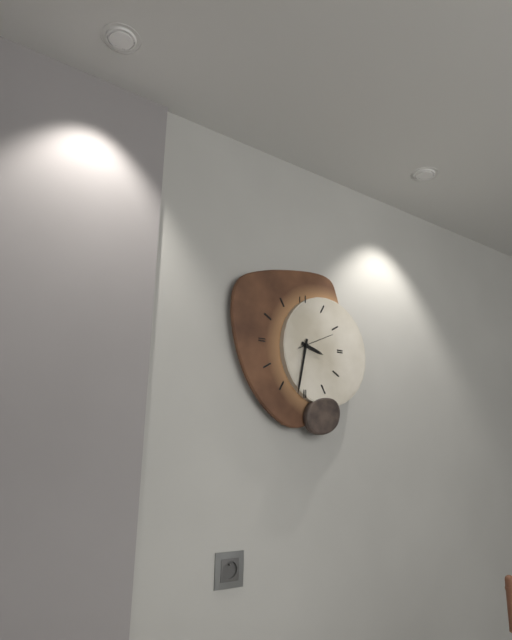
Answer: h=3 m=32
